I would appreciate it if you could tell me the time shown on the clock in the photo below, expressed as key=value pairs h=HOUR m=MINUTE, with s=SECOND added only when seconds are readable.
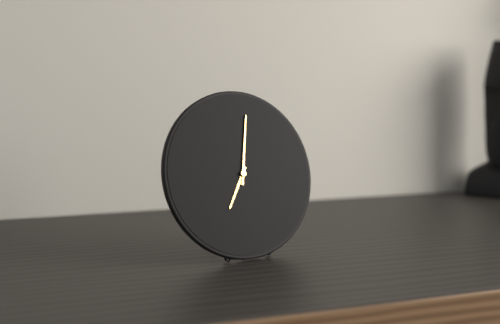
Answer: h=7 m=2
